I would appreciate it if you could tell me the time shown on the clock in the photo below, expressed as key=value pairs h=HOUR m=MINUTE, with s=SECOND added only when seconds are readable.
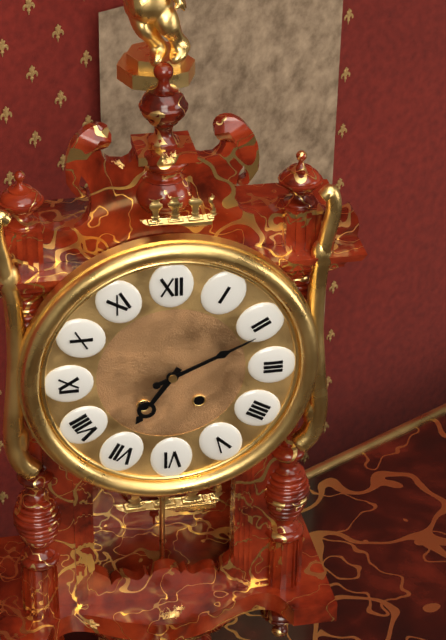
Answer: h=7 m=11
